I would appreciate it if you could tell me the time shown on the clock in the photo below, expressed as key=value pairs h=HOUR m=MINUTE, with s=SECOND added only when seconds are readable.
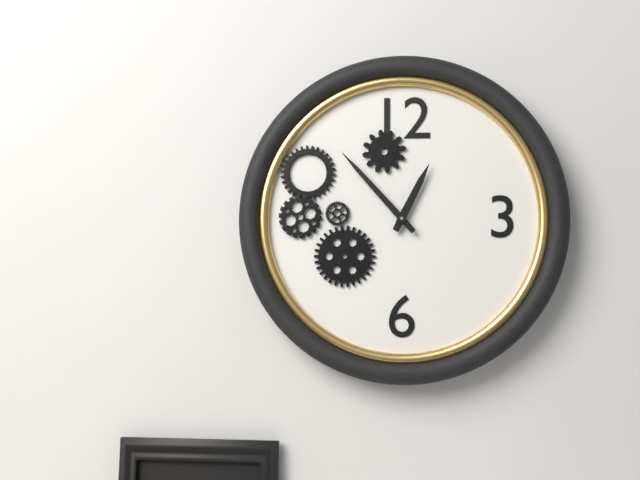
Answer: h=12 m=53
